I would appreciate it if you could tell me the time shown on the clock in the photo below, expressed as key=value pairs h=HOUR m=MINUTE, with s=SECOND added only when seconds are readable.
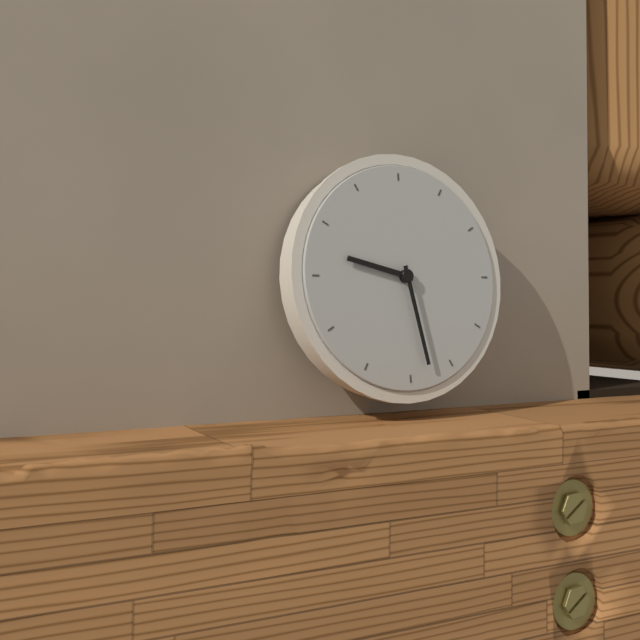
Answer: h=9 m=28
